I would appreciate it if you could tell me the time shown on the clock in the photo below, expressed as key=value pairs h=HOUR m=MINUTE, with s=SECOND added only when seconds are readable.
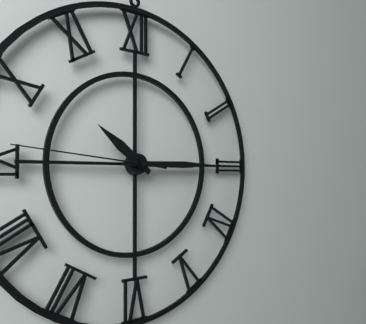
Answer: h=10 m=15 s=46
